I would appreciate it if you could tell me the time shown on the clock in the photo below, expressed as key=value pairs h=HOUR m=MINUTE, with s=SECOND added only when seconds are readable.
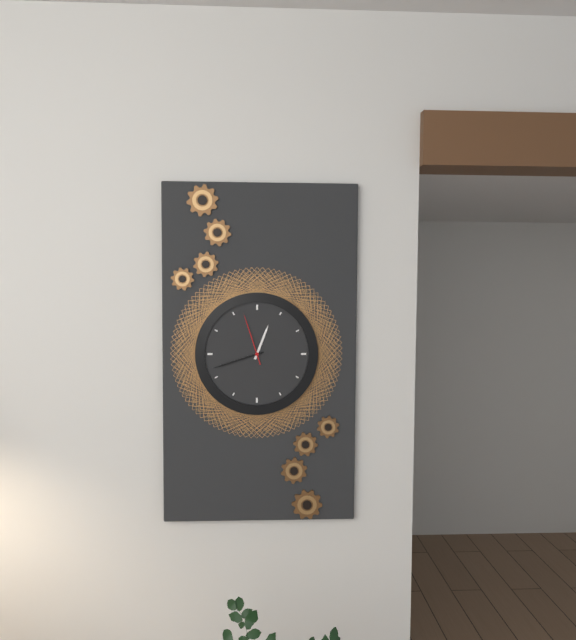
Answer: h=12 m=42 s=57
